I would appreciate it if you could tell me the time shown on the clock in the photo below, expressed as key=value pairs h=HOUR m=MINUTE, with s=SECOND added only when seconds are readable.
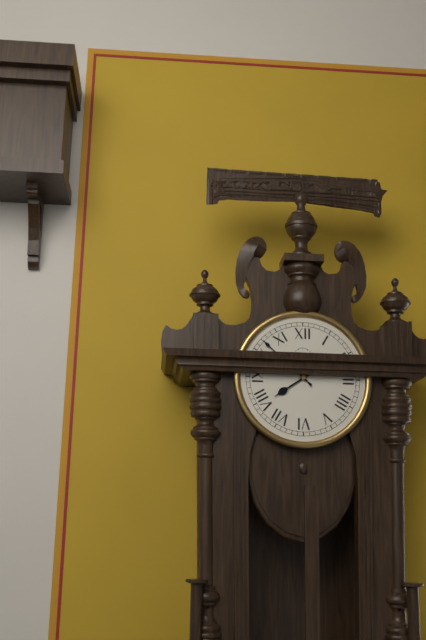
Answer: h=7 m=52
